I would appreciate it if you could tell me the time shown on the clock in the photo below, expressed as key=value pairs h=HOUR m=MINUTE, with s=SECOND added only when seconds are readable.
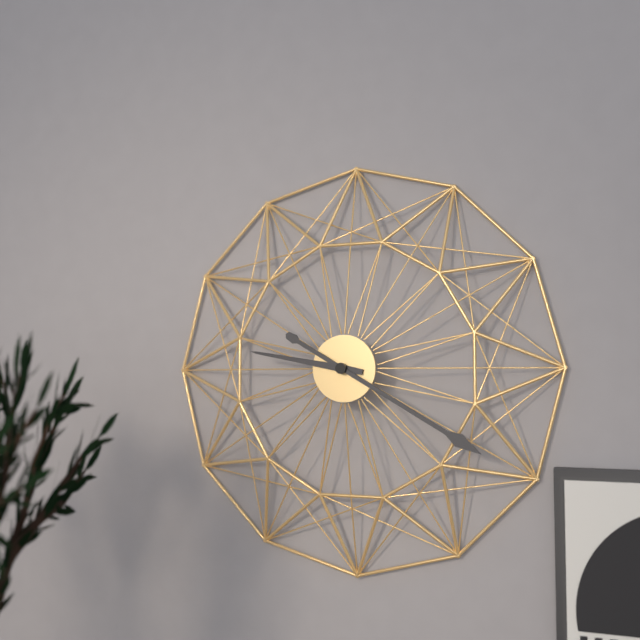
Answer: h=9 m=20
